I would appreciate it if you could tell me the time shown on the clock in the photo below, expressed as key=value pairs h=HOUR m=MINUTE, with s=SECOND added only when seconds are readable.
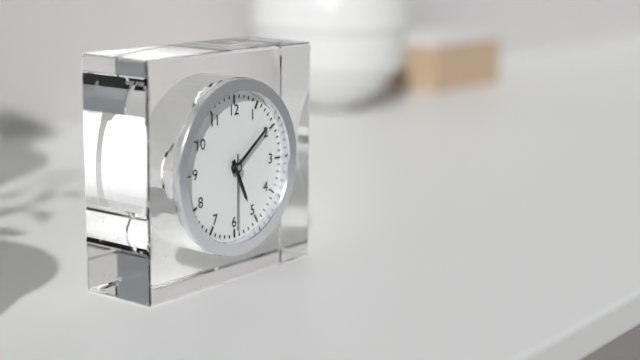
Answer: h=5 m=9 s=30
